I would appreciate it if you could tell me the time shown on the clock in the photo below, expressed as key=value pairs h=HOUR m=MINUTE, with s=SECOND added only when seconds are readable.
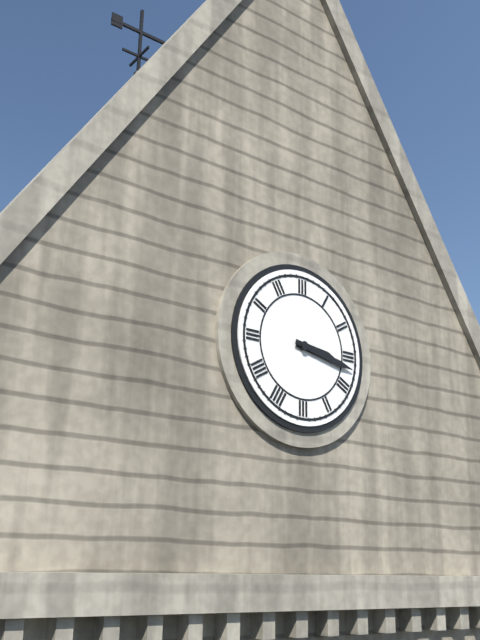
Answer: h=3 m=17
